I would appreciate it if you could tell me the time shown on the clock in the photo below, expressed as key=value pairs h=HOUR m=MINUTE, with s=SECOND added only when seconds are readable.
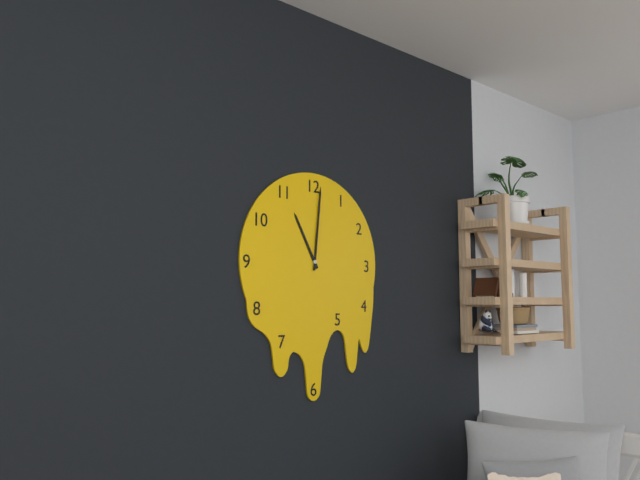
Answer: h=11 m=1
